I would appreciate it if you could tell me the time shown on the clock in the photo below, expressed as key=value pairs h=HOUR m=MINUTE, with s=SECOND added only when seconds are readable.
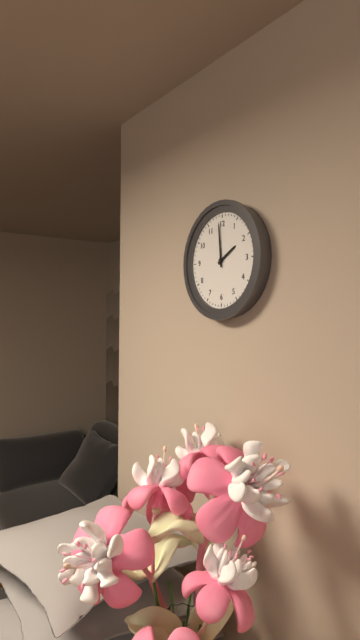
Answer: h=1 m=59
